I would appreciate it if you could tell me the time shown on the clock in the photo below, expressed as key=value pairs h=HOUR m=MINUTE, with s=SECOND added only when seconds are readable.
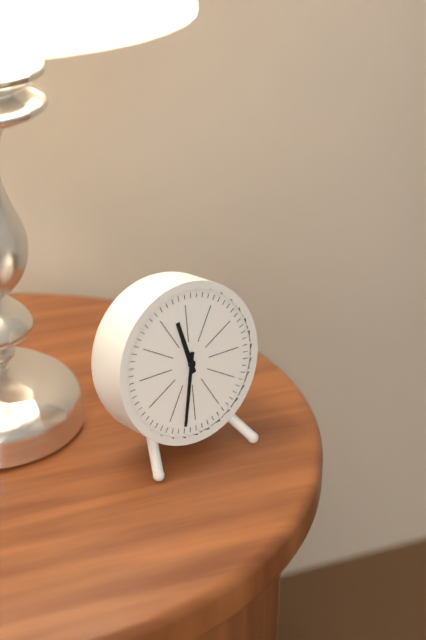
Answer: h=11 m=32
